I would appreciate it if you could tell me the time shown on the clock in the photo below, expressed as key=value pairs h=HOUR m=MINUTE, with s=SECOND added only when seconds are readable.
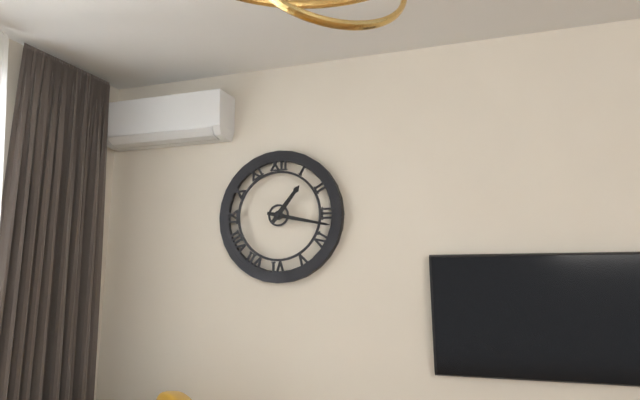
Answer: h=1 m=17
